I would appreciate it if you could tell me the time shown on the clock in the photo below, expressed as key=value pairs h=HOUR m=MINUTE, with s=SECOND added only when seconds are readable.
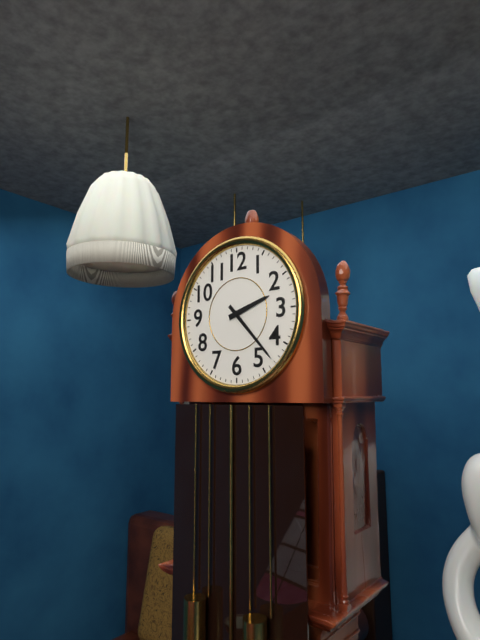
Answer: h=2 m=23
